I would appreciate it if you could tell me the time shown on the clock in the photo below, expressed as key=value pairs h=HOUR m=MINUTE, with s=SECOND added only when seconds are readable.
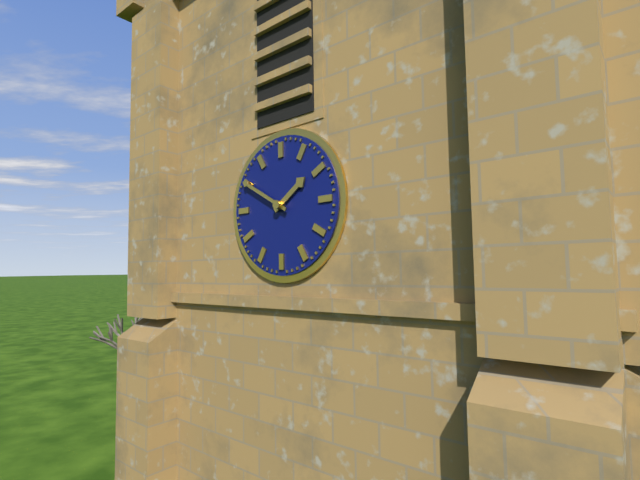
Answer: h=1 m=50
